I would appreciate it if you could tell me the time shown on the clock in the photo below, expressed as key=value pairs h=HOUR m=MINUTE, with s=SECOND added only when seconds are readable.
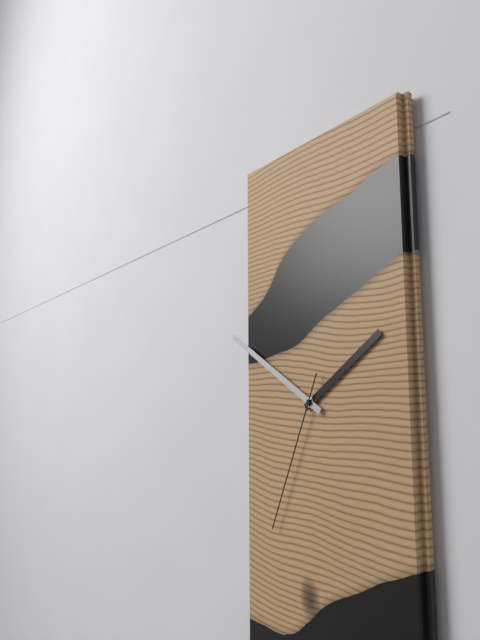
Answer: h=1 m=50 s=34
